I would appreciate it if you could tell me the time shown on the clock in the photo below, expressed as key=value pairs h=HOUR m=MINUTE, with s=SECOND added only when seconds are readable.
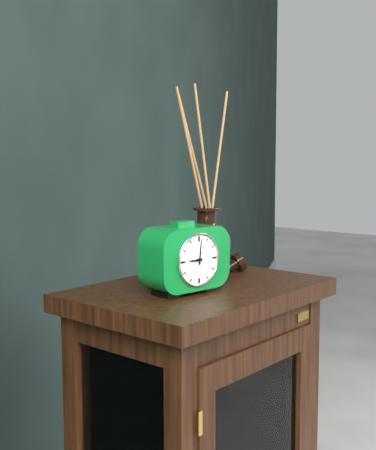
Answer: h=9 m=1
